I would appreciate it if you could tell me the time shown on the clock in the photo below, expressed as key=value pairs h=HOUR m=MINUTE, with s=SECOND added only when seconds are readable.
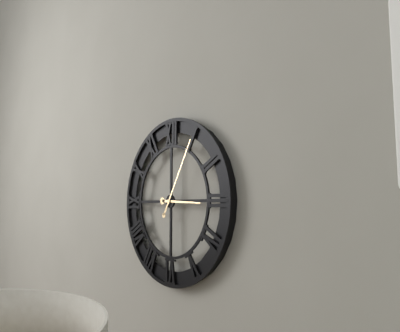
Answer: h=3 m=5
